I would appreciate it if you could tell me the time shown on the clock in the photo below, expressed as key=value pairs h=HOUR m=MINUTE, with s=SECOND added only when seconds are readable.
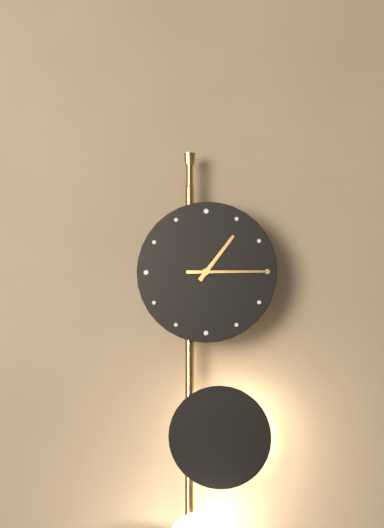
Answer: h=1 m=15
